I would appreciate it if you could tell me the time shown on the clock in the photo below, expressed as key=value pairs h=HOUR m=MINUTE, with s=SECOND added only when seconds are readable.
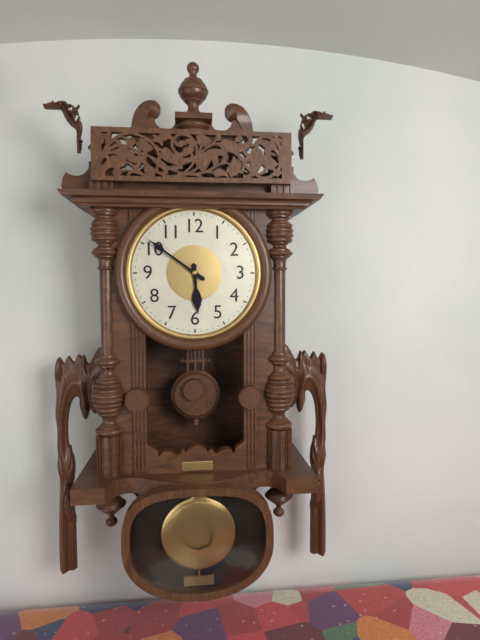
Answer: h=5 m=51
